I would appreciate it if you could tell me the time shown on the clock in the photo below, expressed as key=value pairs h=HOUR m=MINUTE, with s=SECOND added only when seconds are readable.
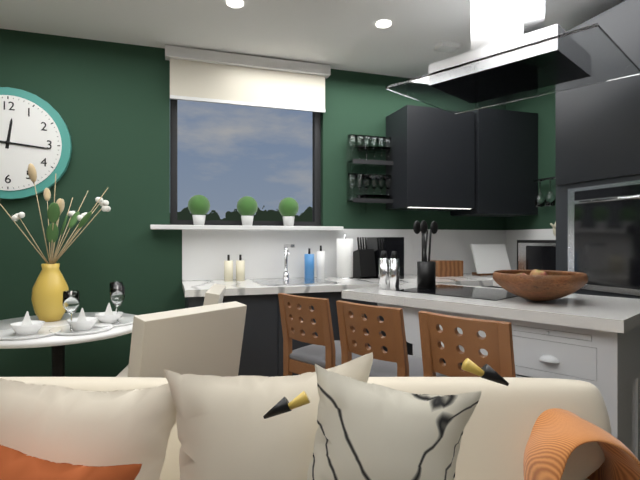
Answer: h=12 m=16
